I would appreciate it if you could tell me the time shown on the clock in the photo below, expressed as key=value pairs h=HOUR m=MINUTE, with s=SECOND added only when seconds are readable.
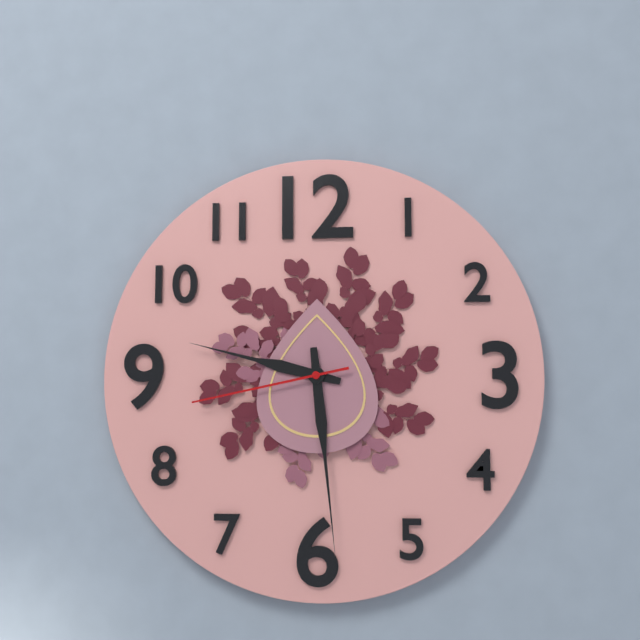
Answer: h=9 m=29 s=43
